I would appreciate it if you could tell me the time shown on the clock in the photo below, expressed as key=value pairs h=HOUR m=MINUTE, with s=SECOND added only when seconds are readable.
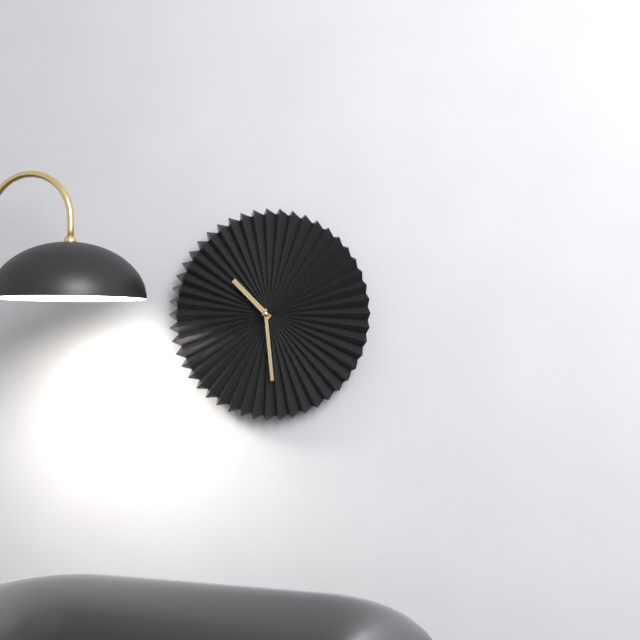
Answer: h=10 m=29
